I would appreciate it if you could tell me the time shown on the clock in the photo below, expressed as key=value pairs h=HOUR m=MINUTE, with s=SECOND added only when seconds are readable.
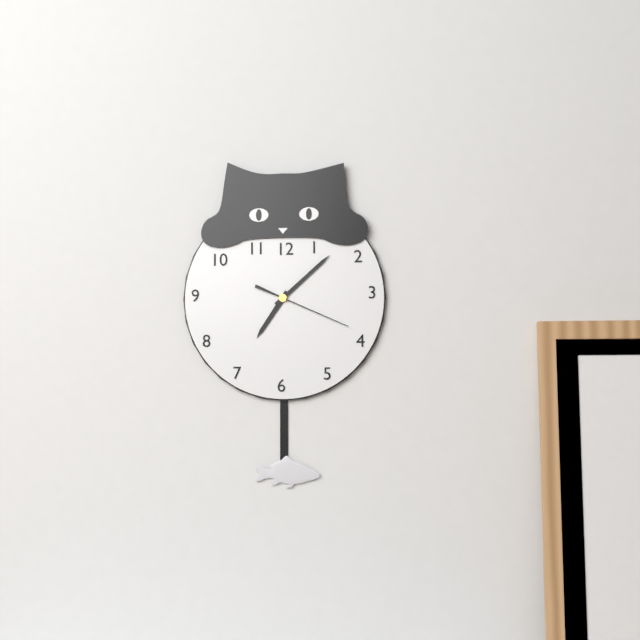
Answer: h=7 m=8 s=19
